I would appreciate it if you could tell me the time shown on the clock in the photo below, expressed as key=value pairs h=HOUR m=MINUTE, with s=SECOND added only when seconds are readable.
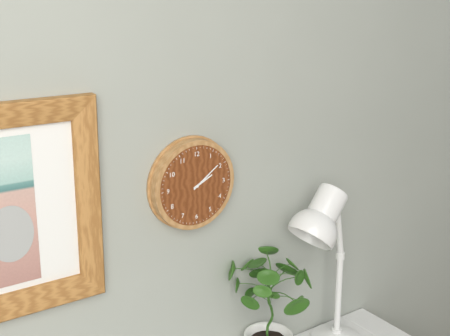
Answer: h=2 m=9
